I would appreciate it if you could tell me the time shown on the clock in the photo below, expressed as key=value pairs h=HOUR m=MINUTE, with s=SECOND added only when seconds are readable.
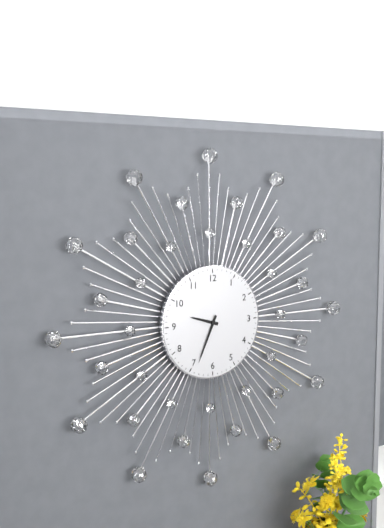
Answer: h=9 m=34
